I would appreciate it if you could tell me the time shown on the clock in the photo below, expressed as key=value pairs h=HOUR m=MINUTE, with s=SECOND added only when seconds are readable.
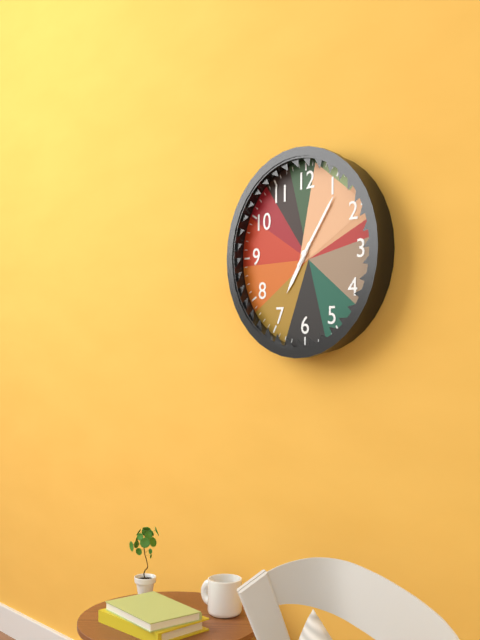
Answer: h=7 m=6
